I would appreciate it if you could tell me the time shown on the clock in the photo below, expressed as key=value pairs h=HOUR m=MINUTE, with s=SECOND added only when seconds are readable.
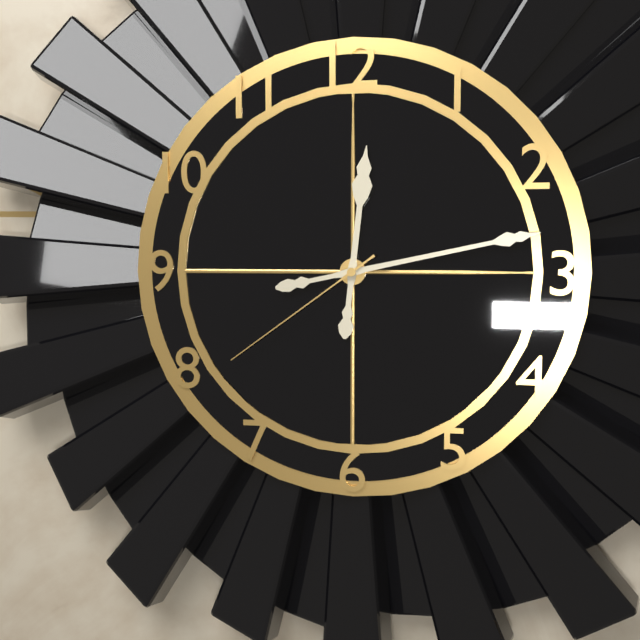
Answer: h=12 m=13 s=39
